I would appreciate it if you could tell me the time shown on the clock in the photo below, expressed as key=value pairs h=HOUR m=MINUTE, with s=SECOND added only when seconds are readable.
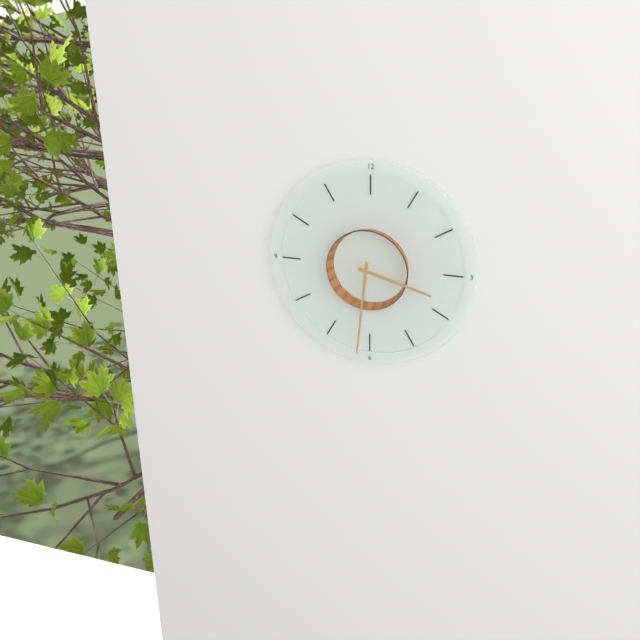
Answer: h=3 m=31
